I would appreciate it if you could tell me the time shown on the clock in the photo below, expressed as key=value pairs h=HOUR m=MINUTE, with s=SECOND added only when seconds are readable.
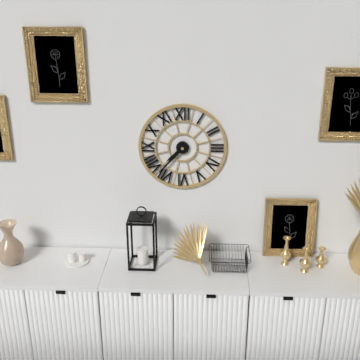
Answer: h=7 m=37
